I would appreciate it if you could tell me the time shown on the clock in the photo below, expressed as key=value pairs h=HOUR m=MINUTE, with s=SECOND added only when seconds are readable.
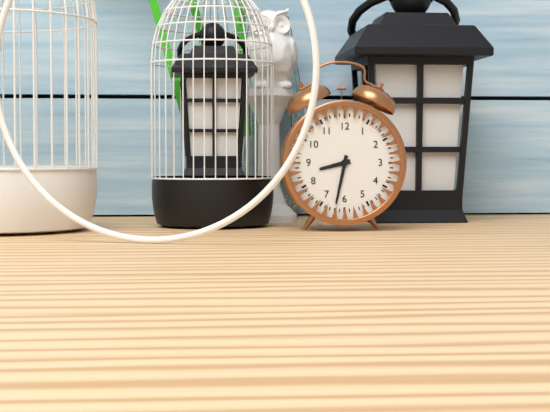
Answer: h=8 m=32
